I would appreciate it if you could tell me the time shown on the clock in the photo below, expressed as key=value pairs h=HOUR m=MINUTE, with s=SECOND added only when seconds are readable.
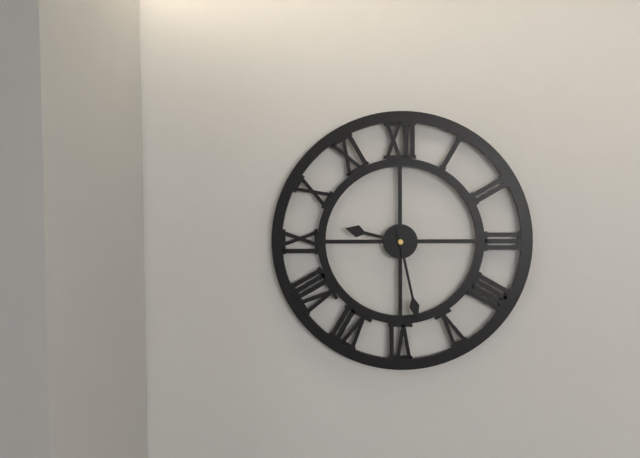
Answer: h=9 m=28
